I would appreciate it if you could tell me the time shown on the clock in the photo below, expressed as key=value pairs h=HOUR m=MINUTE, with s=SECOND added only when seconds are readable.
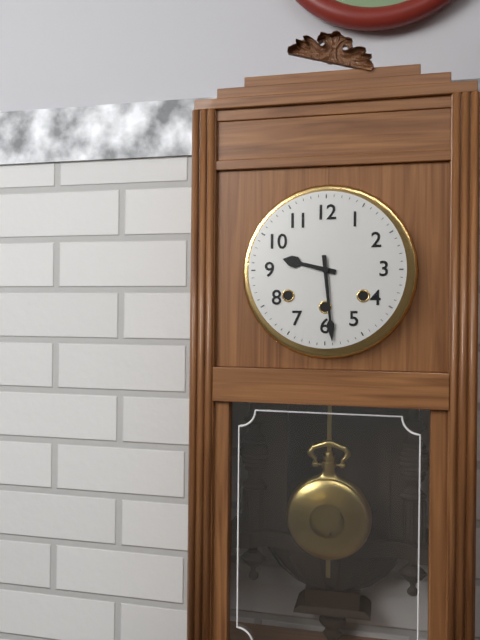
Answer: h=9 m=29
